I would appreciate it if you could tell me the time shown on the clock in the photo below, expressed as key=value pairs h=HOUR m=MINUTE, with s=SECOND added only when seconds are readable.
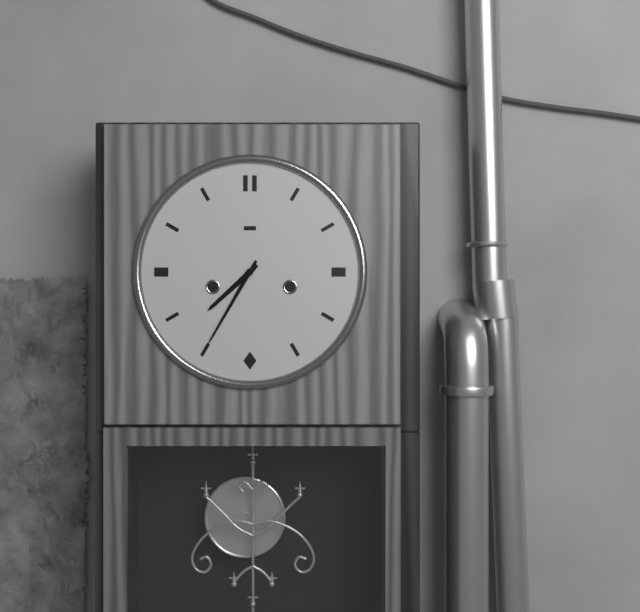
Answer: h=7 m=35
